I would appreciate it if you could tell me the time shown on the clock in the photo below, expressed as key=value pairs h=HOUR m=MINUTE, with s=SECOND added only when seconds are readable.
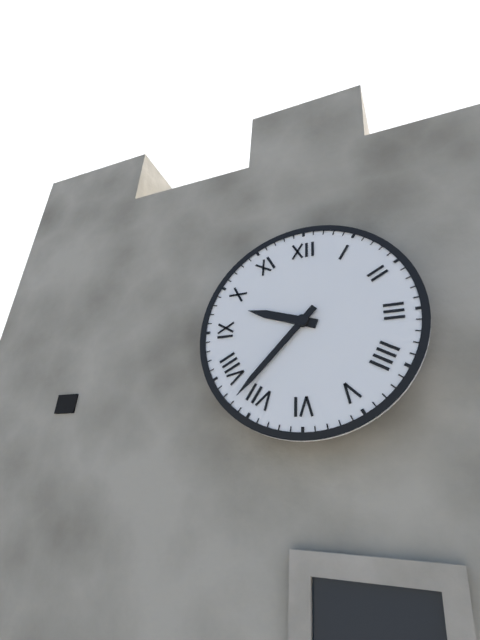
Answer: h=9 m=37
